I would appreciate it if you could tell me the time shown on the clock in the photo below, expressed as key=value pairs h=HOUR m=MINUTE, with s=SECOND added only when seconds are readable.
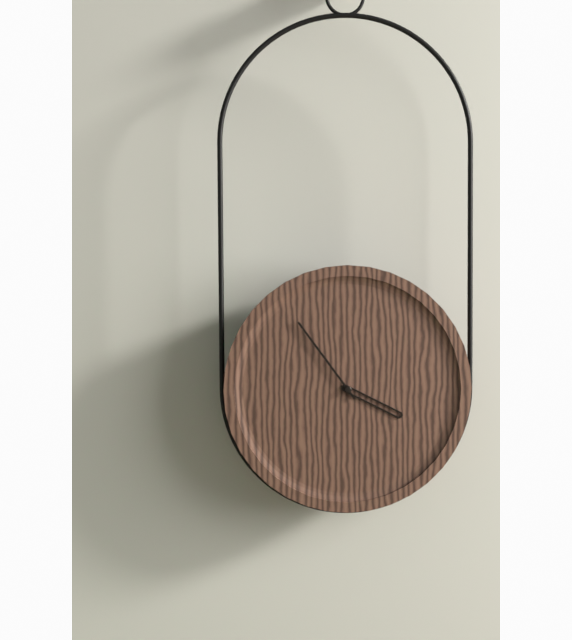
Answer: h=3 m=54
